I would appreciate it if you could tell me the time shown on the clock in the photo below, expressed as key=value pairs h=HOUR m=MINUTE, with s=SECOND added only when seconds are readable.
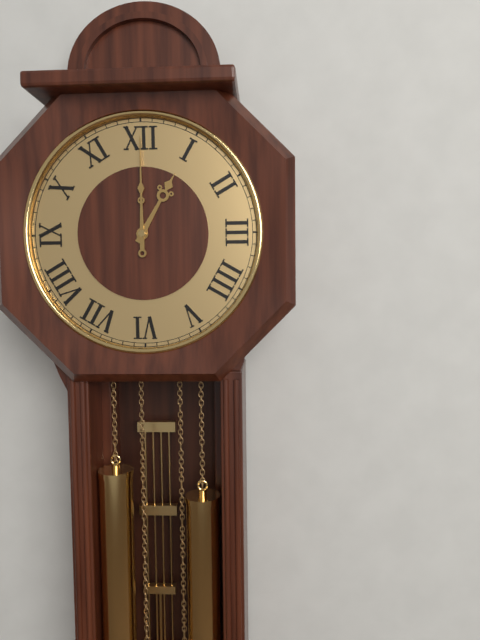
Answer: h=1 m=0
